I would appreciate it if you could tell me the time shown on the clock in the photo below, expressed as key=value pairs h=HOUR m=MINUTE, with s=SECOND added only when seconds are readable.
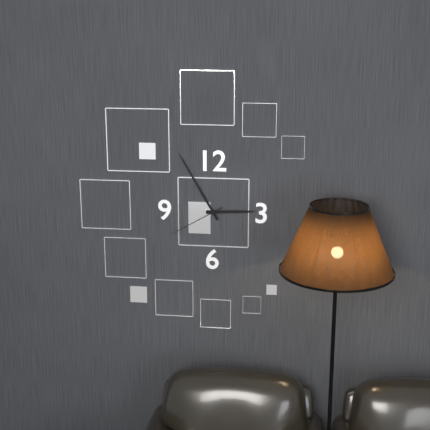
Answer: h=2 m=55 s=40
